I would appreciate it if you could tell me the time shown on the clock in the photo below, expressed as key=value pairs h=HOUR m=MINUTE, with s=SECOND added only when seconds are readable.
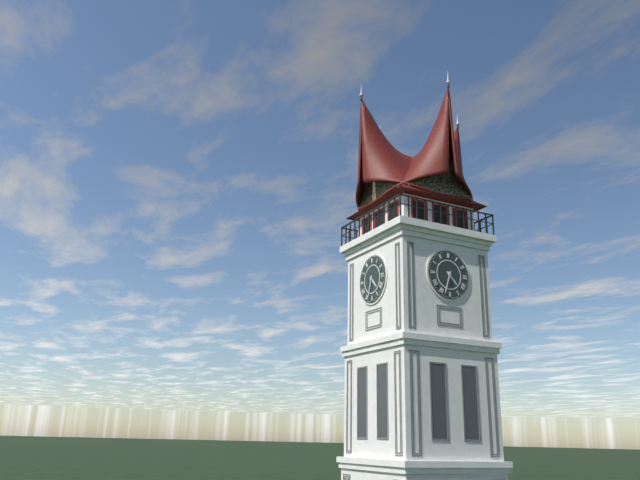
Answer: h=4 m=33
